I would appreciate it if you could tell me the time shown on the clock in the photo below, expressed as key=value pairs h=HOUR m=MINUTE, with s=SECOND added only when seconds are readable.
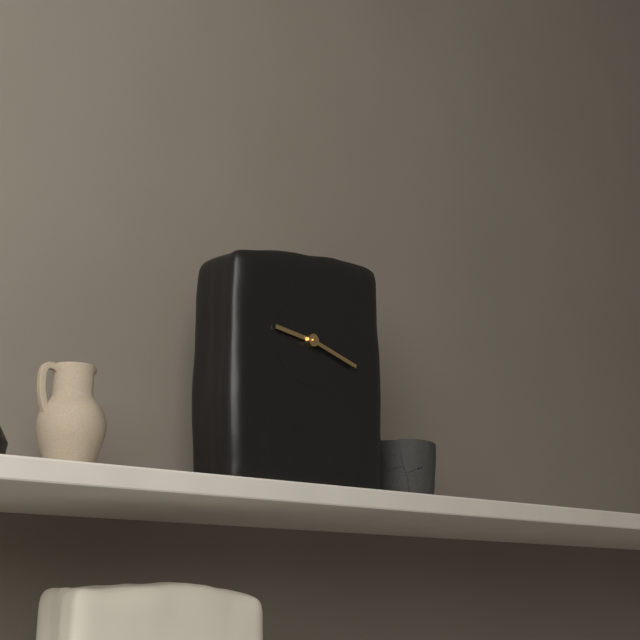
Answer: h=9 m=18
